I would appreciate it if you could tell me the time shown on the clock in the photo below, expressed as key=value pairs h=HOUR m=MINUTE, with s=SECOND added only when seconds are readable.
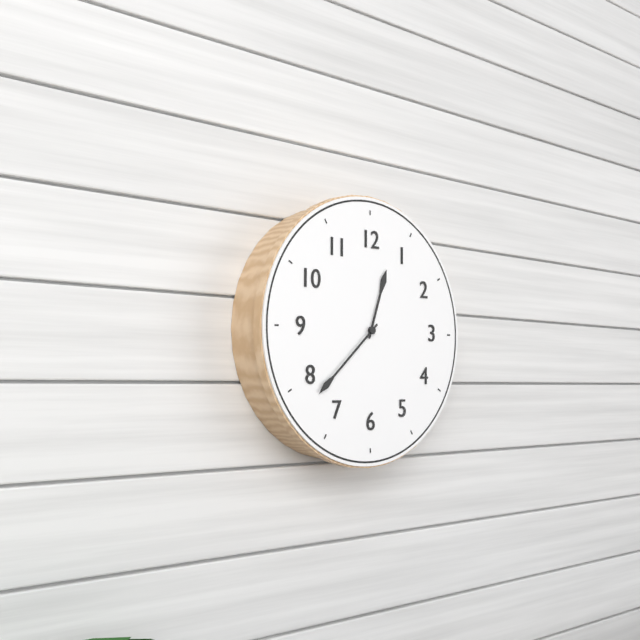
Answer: h=12 m=38
